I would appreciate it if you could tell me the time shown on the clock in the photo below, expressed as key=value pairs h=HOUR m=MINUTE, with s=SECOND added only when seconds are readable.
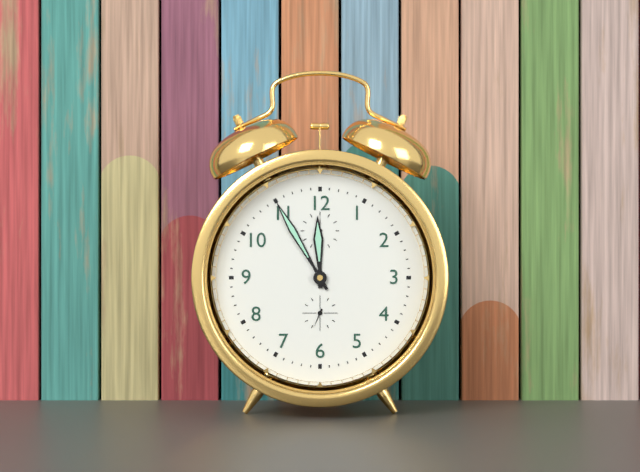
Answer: h=11 m=55
